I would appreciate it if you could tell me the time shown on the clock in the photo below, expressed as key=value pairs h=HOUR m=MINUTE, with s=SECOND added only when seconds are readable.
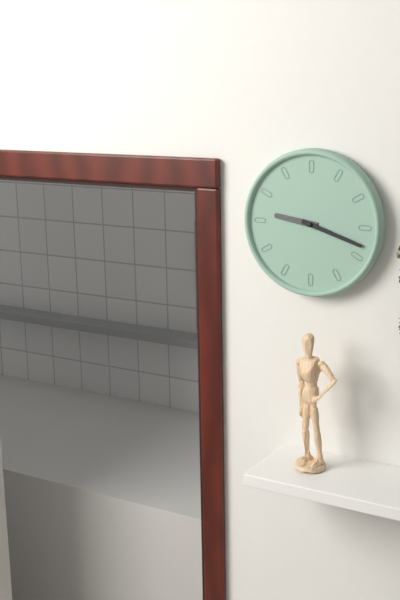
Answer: h=9 m=18
